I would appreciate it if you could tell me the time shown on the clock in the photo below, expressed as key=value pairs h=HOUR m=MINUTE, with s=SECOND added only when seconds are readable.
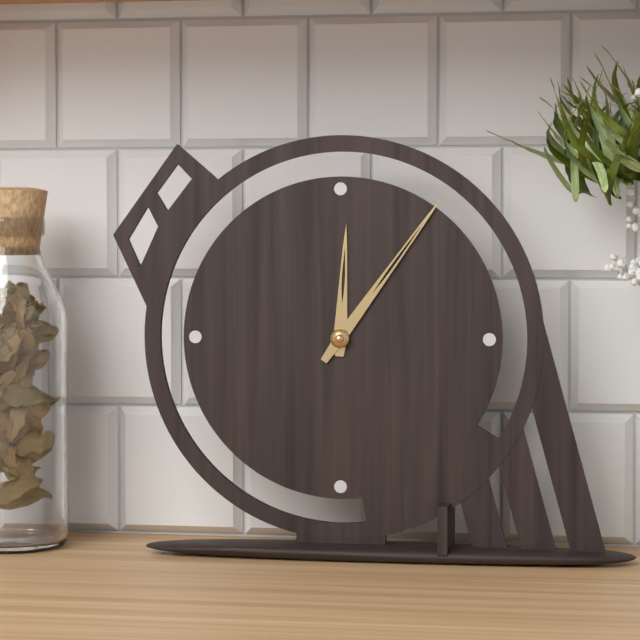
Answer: h=12 m=6
